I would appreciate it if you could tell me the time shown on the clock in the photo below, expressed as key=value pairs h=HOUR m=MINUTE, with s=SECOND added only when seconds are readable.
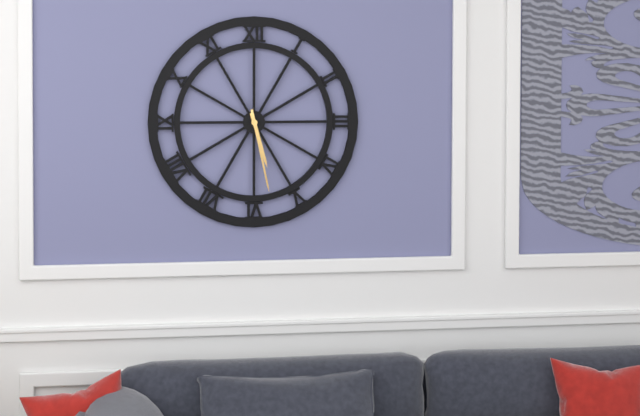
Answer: h=5 m=28
